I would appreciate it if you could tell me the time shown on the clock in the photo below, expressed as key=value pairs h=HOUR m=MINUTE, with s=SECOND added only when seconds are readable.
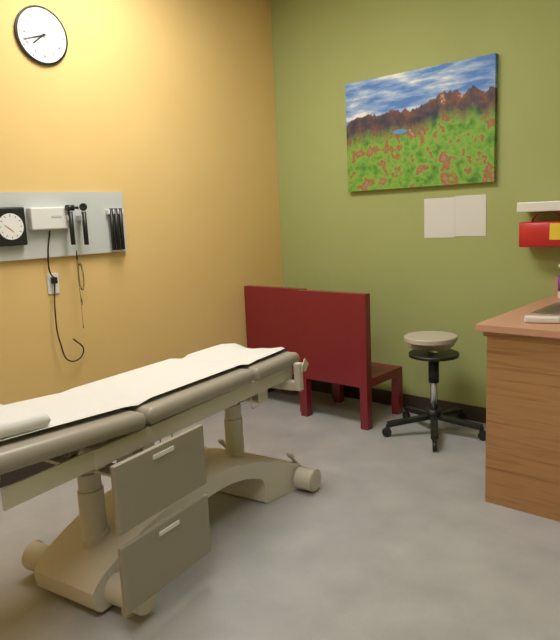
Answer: h=7 m=42
